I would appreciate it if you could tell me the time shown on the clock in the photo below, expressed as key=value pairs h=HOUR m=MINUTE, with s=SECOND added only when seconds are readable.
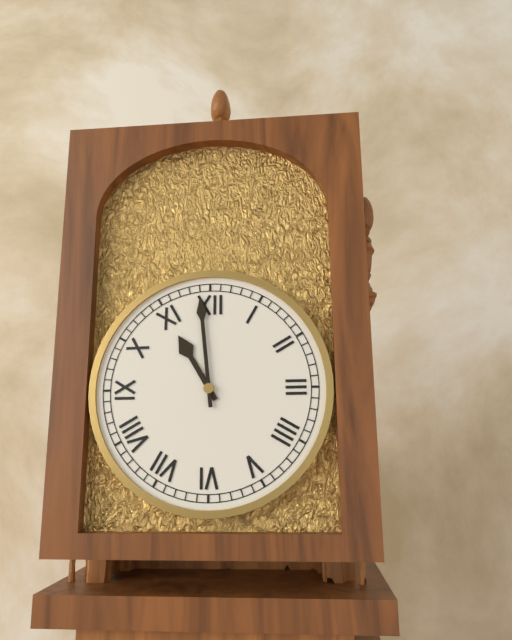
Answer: h=10 m=59
